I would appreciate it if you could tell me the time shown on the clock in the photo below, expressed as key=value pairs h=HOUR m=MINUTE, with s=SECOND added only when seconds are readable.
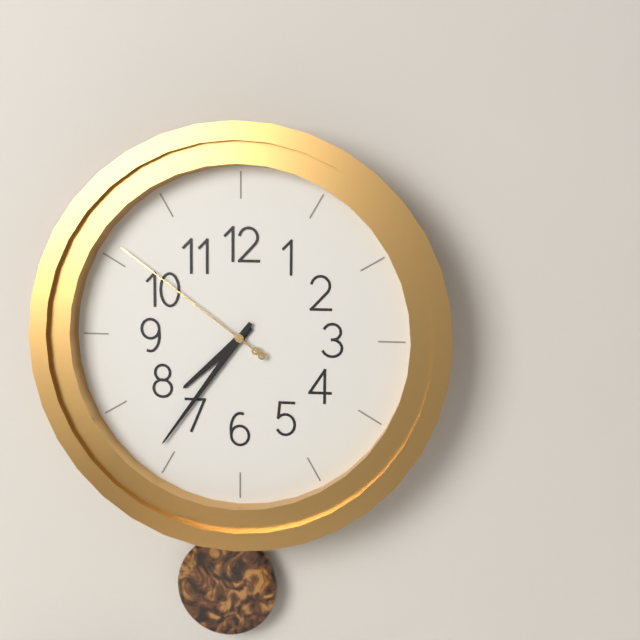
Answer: h=7 m=36 s=51
